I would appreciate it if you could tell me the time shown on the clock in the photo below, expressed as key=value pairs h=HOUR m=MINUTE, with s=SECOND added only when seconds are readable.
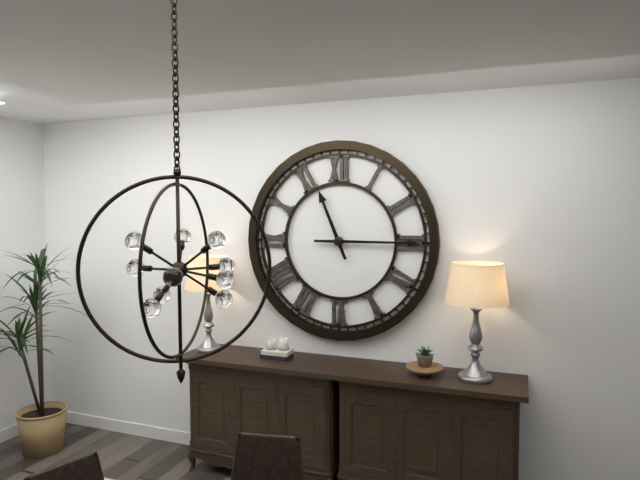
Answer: h=11 m=15
